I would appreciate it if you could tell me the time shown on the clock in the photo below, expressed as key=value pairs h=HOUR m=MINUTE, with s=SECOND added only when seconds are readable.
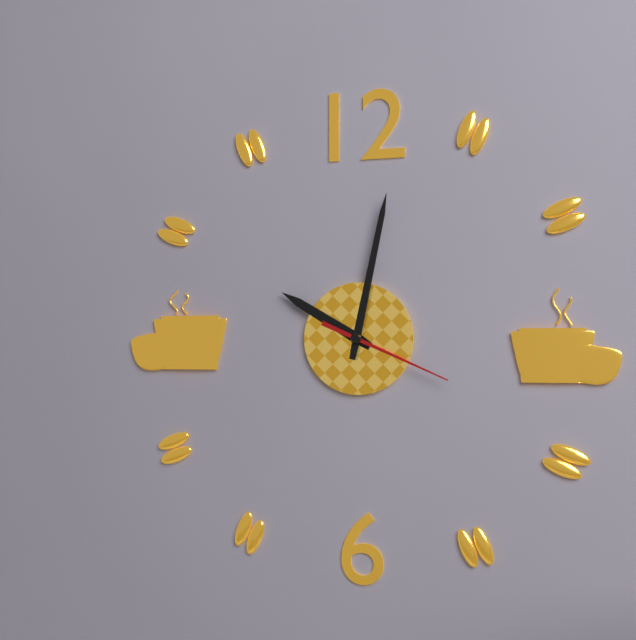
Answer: h=10 m=2 s=19
